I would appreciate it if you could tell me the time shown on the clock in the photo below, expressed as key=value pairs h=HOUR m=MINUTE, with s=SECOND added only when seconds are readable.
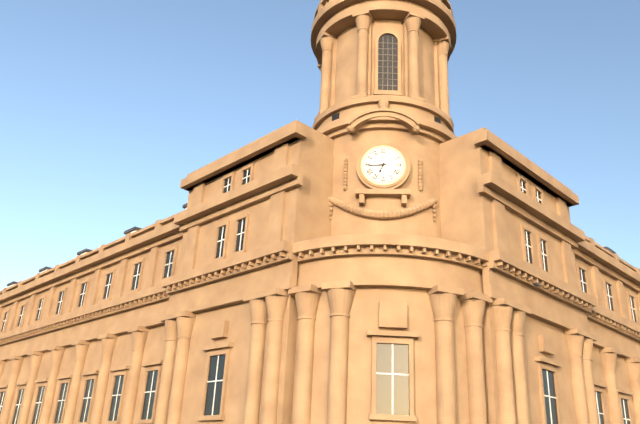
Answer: h=6 m=44
